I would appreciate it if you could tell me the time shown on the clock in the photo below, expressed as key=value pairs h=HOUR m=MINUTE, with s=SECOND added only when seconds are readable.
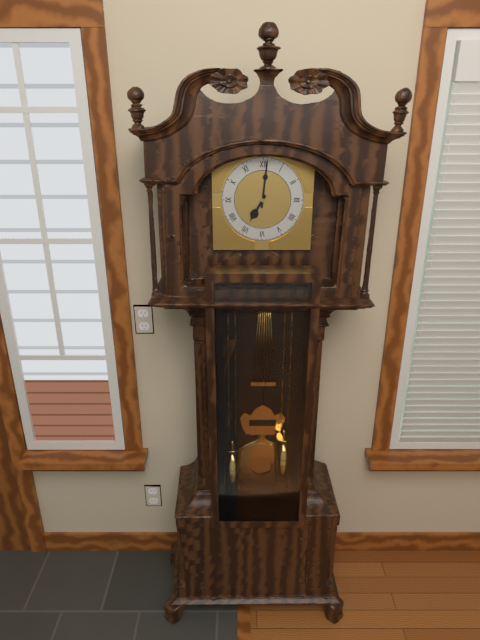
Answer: h=7 m=1
